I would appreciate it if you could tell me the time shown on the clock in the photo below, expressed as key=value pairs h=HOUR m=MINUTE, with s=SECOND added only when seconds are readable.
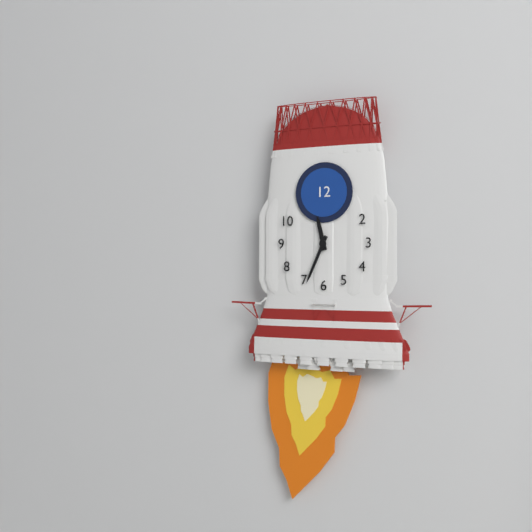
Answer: h=11 m=34
